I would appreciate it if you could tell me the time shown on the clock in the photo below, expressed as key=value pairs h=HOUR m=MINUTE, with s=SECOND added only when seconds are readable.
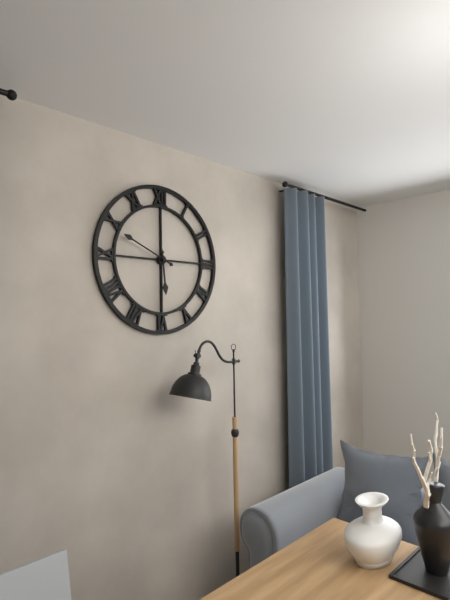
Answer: h=5 m=49
